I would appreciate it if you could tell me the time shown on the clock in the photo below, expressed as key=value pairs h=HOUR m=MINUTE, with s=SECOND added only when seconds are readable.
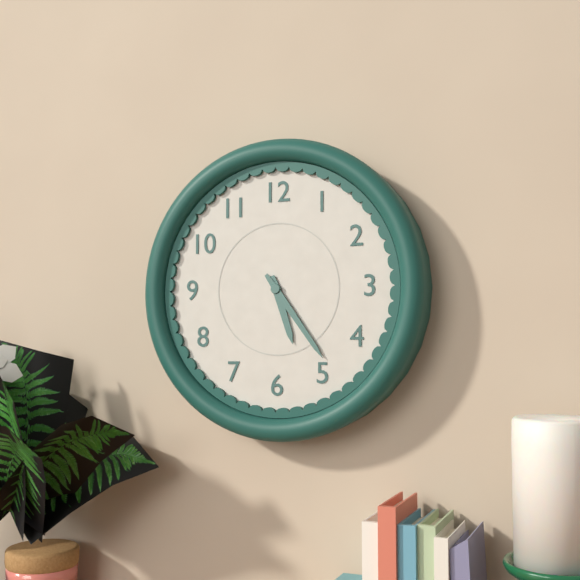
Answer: h=5 m=24
